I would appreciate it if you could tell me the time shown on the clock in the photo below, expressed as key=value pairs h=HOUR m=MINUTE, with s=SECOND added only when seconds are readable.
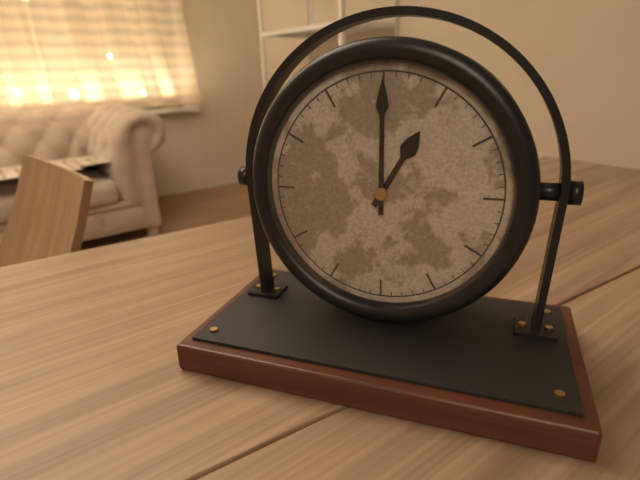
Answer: h=1 m=0
